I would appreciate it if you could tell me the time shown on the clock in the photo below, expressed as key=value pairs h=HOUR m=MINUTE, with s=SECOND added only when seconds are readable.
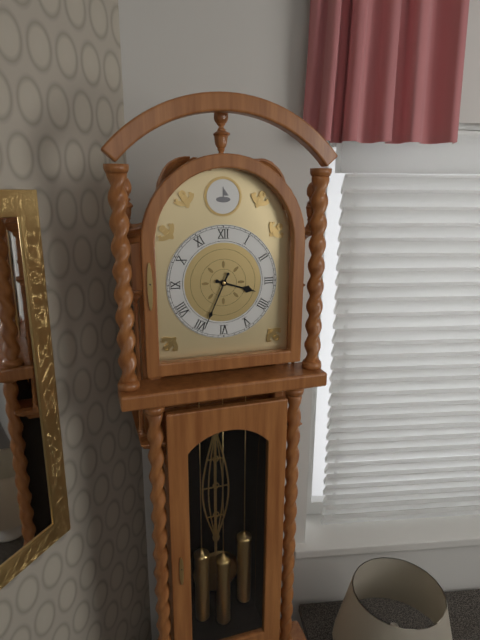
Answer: h=3 m=34
